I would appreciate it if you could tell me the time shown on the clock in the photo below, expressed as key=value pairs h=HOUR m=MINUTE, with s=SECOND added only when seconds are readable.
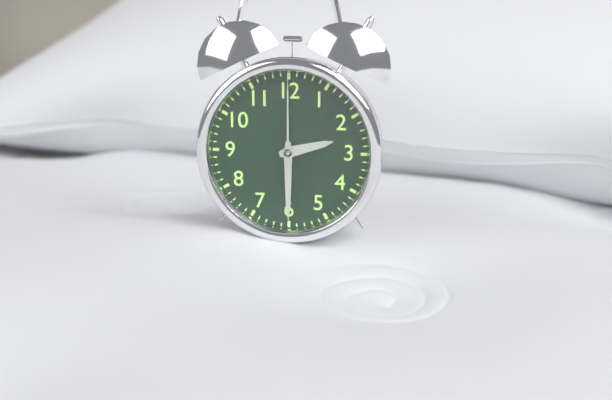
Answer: h=2 m=30 s=0
